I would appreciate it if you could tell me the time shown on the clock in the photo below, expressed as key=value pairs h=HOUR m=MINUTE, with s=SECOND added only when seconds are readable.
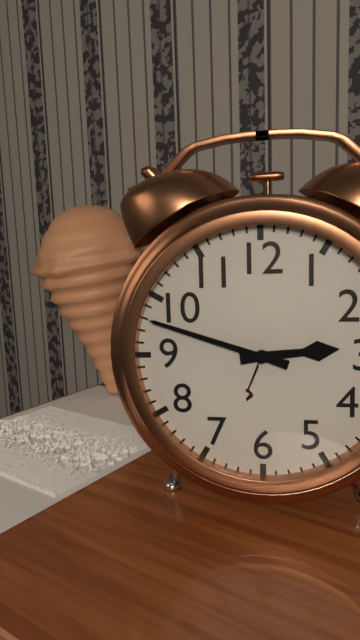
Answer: h=2 m=48
